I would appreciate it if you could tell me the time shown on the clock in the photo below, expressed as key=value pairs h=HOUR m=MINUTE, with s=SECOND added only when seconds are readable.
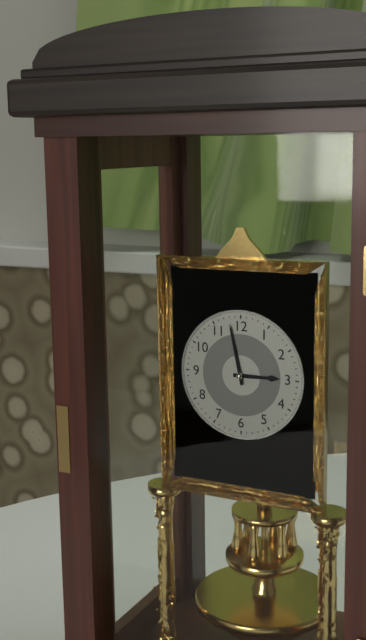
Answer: h=2 m=58
